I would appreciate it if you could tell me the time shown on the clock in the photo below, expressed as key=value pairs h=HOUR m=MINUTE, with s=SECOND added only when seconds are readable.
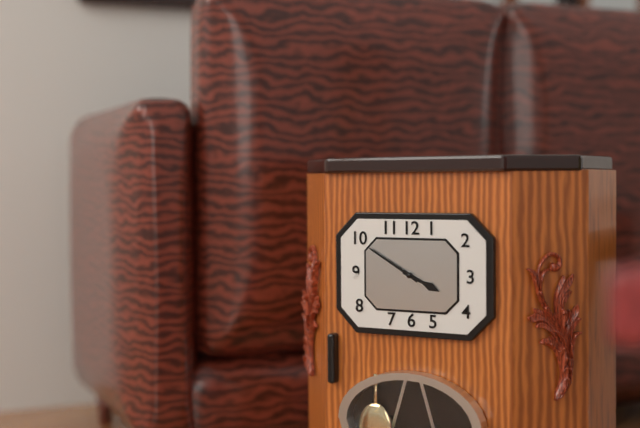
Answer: h=3 m=50
